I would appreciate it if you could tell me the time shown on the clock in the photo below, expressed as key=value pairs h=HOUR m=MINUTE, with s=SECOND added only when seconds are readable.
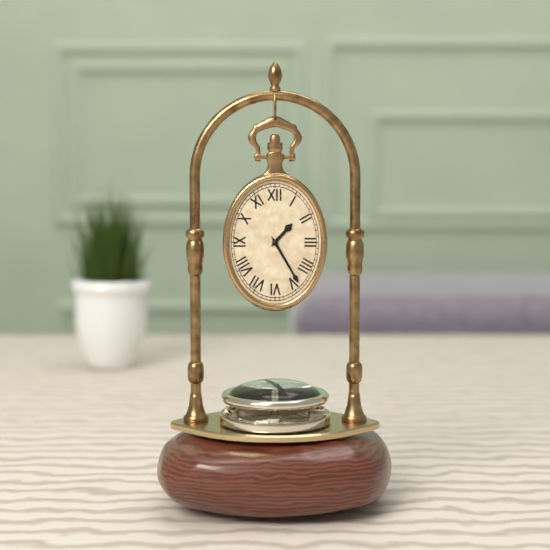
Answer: h=1 m=25
